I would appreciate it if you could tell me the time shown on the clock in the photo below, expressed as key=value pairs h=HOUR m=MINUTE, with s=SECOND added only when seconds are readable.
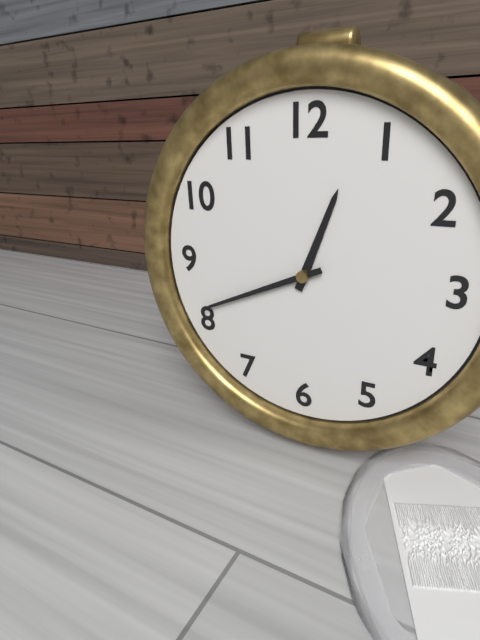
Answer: h=12 m=41
